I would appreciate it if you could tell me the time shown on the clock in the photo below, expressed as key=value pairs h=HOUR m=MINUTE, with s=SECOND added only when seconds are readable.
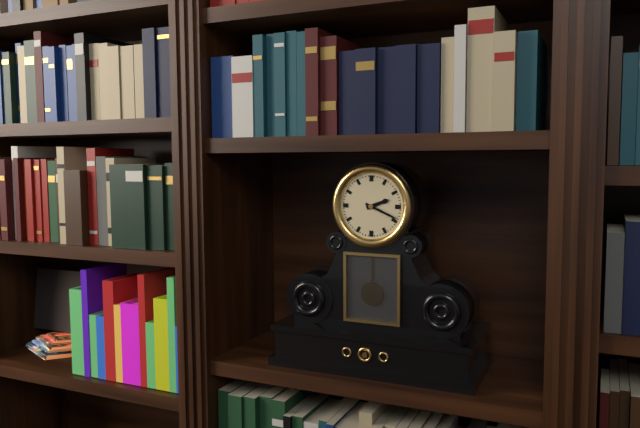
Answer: h=2 m=19
